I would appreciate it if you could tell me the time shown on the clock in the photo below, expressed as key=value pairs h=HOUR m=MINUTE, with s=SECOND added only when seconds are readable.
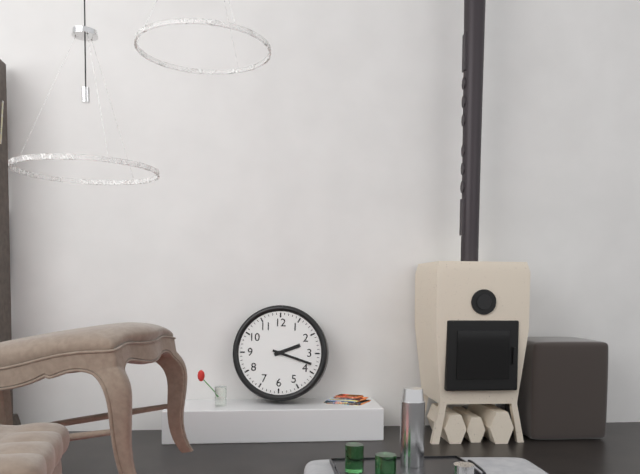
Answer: h=2 m=18
